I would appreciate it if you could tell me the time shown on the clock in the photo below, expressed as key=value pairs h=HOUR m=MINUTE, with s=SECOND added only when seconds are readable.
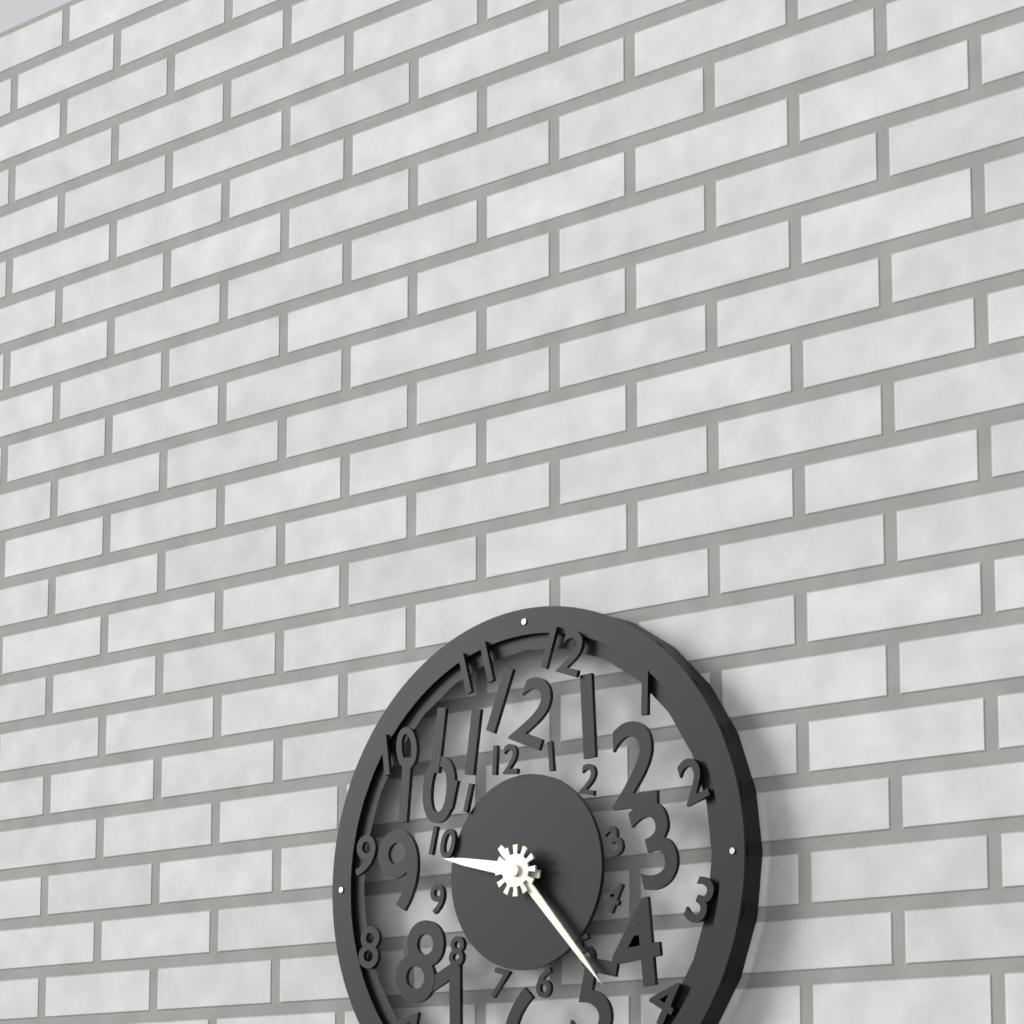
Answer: h=9 m=23
